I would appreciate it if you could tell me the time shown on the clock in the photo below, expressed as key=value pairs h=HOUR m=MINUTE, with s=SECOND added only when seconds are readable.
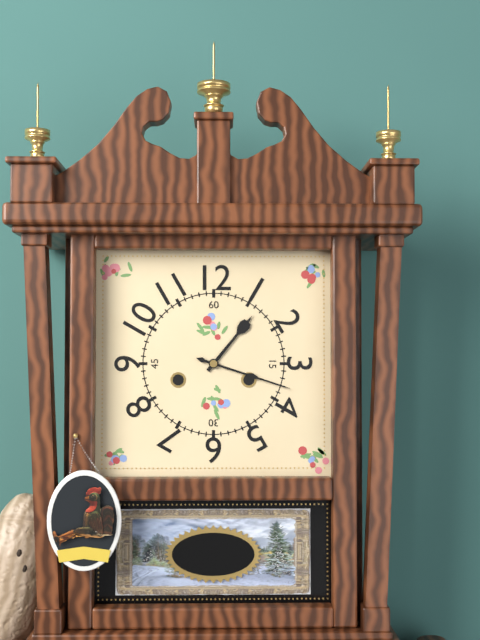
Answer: h=1 m=18
